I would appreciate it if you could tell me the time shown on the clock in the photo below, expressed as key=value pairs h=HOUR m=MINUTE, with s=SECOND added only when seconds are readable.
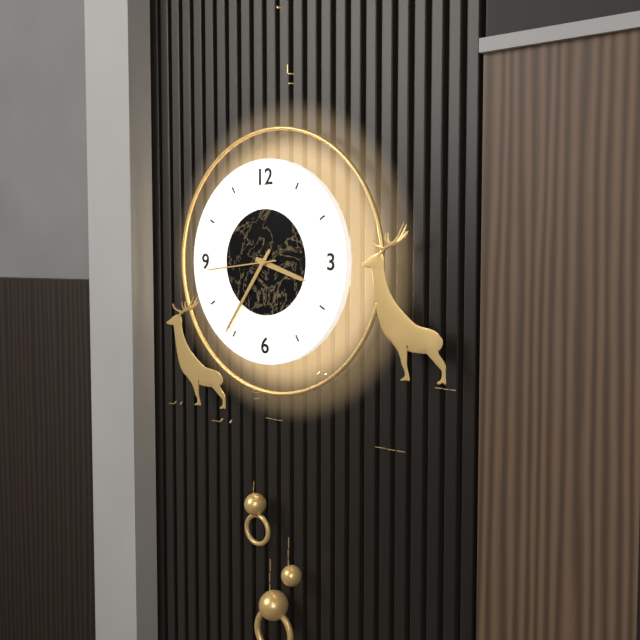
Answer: h=3 m=36 s=44
